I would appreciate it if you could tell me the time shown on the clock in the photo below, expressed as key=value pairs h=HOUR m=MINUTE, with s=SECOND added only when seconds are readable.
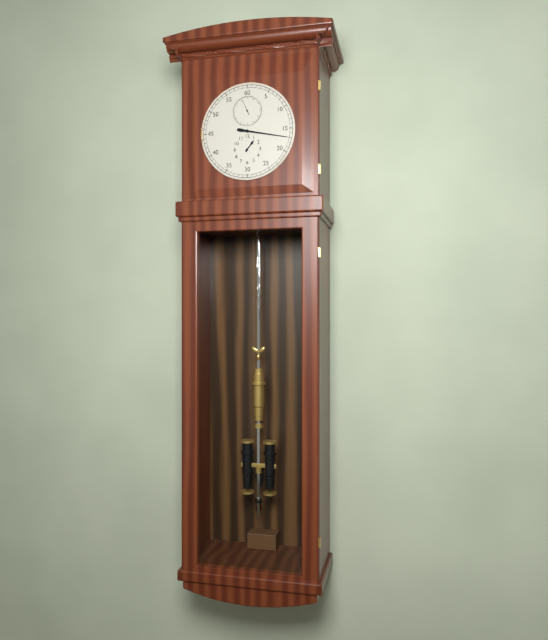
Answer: h=1 m=17
